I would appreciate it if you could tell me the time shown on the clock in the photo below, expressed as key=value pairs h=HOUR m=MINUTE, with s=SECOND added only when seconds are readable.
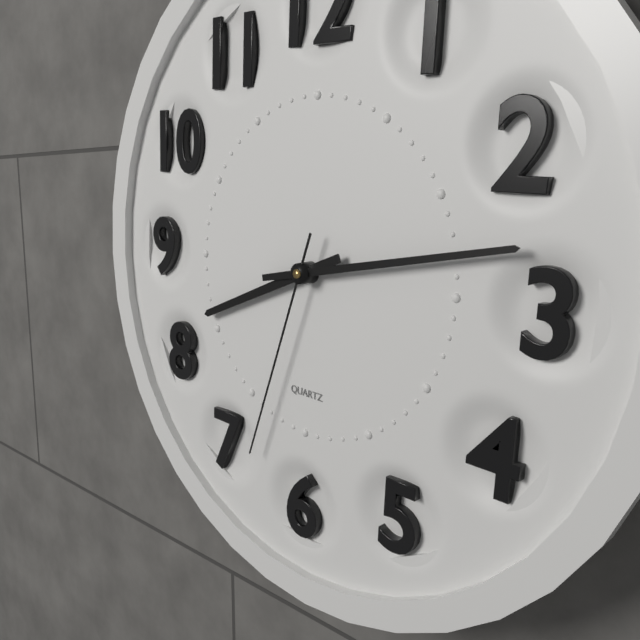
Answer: h=8 m=13 s=33
